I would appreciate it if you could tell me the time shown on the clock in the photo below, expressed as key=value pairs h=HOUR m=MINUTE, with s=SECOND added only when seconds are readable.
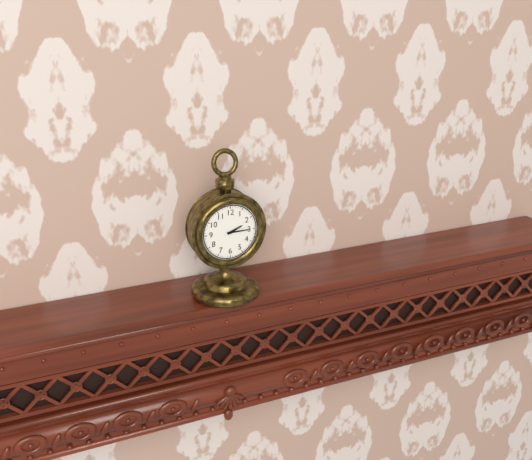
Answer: h=2 m=15
